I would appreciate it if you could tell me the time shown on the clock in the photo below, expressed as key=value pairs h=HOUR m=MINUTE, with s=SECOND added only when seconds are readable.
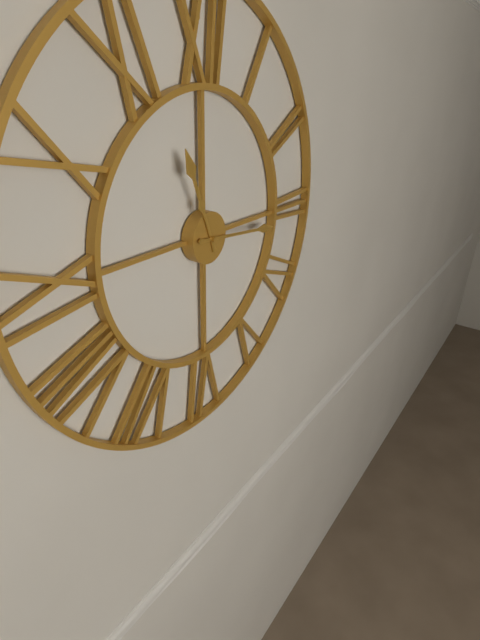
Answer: h=11 m=16
